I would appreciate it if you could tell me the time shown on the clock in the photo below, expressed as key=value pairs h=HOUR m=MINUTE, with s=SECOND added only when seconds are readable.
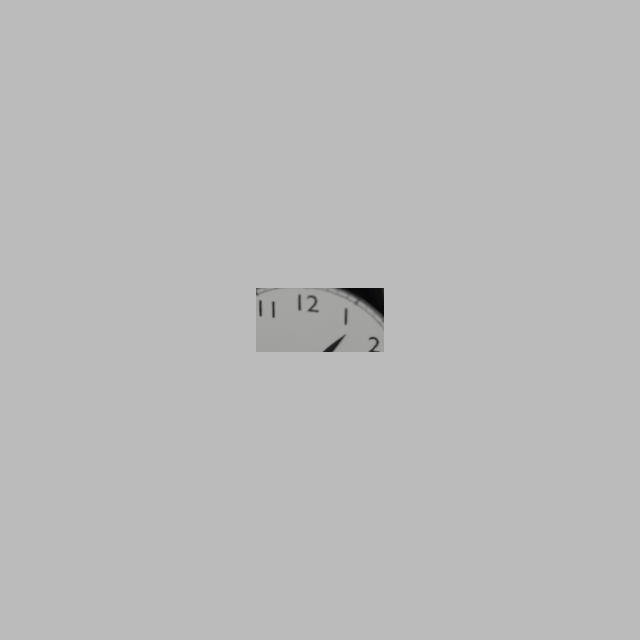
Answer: h=1 m=17 s=15
